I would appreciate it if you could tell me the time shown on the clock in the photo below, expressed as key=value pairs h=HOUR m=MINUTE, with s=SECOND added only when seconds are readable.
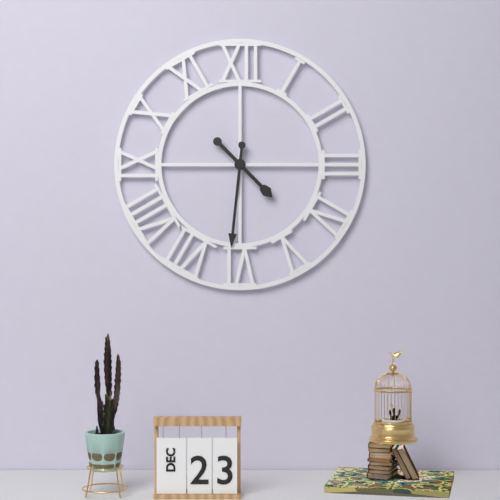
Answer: h=4 m=31
